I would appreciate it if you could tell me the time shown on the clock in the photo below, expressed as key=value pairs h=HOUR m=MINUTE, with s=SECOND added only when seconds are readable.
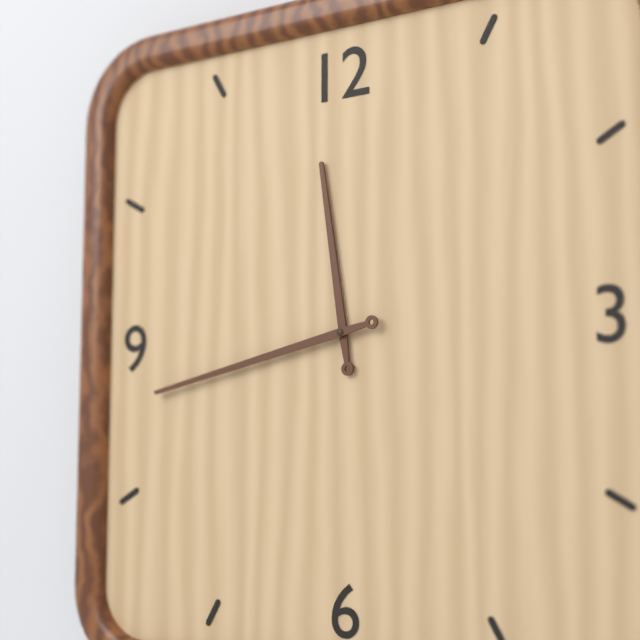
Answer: h=11 m=43
